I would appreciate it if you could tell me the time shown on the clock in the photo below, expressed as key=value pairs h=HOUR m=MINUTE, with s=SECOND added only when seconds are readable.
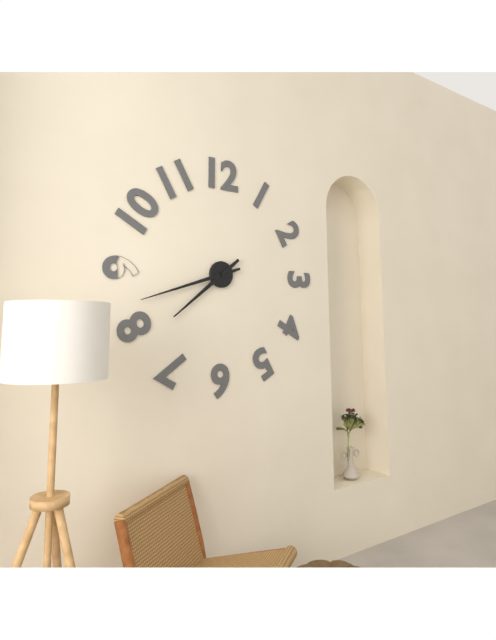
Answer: h=7 m=42
